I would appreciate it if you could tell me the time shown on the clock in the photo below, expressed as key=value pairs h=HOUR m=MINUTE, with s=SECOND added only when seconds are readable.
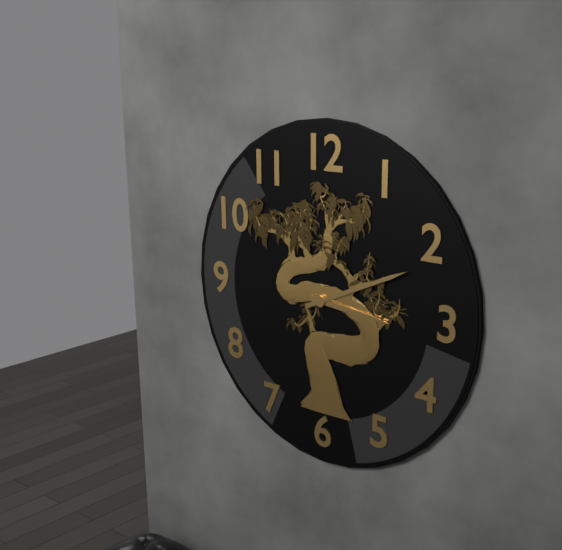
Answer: h=3 m=11
